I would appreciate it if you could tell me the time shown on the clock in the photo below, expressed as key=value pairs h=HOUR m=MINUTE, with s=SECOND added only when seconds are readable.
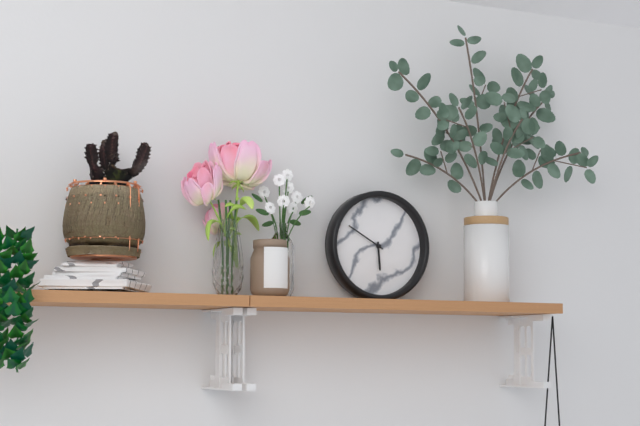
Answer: h=5 m=50
